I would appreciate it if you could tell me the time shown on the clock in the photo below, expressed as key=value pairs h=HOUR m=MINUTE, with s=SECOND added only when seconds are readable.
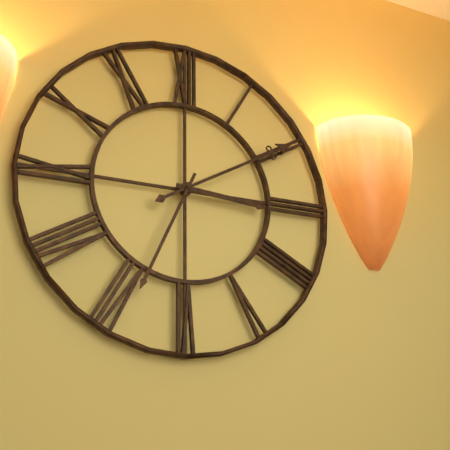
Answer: h=3 m=10 s=34
